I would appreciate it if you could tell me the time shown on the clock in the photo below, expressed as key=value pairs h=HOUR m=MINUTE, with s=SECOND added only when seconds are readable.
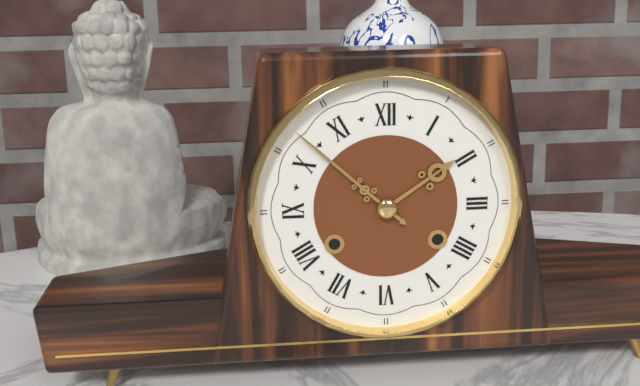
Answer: h=1 m=52
